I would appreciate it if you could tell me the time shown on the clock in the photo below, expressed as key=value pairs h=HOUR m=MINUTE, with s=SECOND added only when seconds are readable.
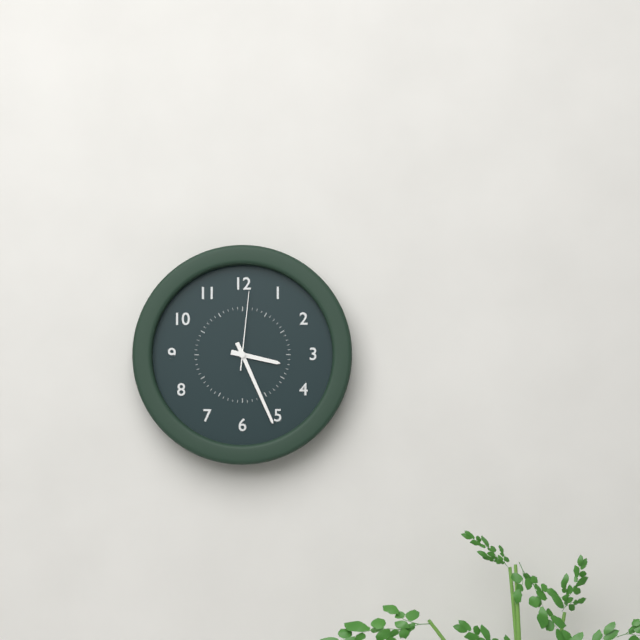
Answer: h=3 m=26 s=1
